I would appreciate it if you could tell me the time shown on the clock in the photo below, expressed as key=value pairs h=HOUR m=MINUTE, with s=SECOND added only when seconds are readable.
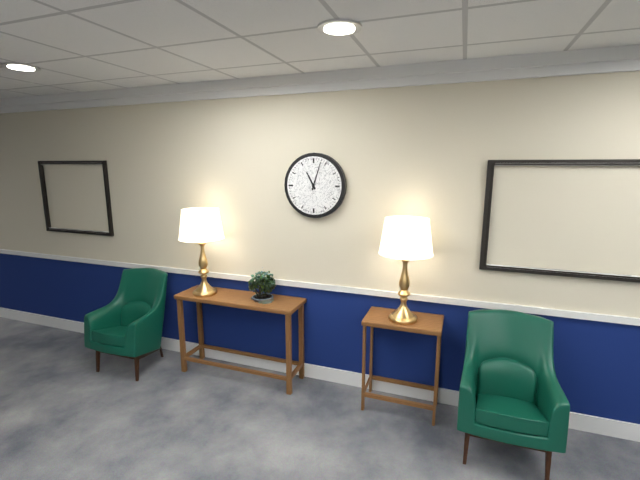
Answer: h=11 m=3
